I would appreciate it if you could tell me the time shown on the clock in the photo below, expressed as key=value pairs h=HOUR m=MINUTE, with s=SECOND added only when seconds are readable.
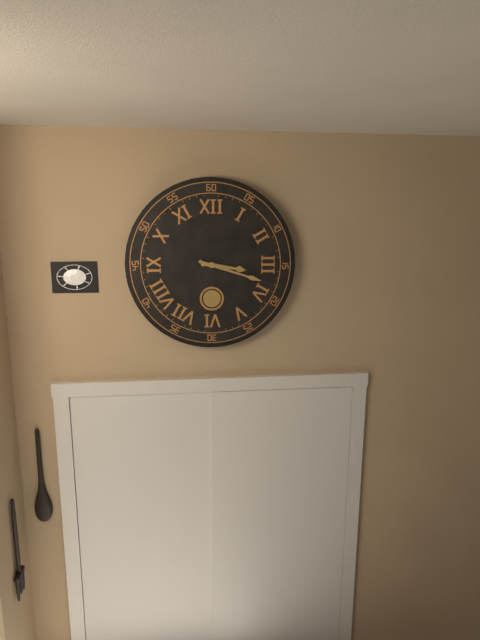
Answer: h=3 m=18
